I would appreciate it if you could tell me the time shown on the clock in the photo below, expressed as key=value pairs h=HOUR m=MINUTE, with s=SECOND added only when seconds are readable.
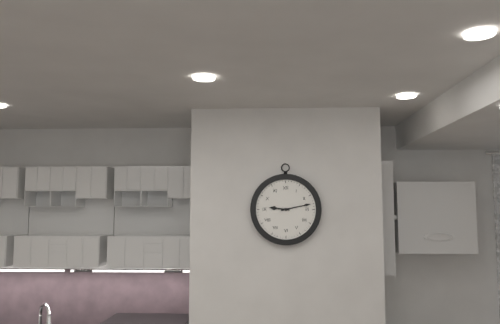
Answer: h=9 m=13
